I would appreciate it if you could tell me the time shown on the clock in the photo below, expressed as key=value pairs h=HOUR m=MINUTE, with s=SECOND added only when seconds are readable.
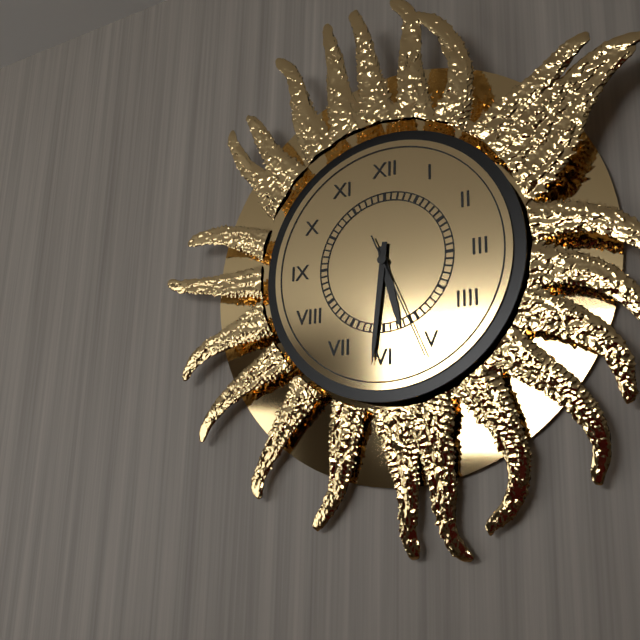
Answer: h=5 m=31 s=26
